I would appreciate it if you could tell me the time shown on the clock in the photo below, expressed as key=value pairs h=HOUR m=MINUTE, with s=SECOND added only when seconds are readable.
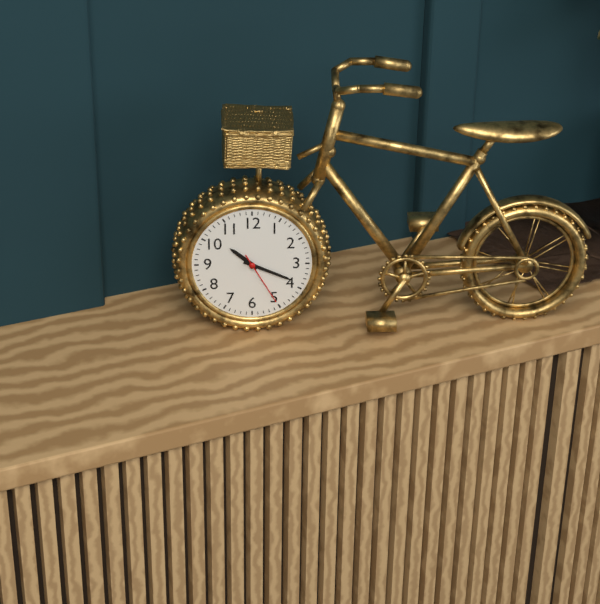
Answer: h=10 m=19 s=25
